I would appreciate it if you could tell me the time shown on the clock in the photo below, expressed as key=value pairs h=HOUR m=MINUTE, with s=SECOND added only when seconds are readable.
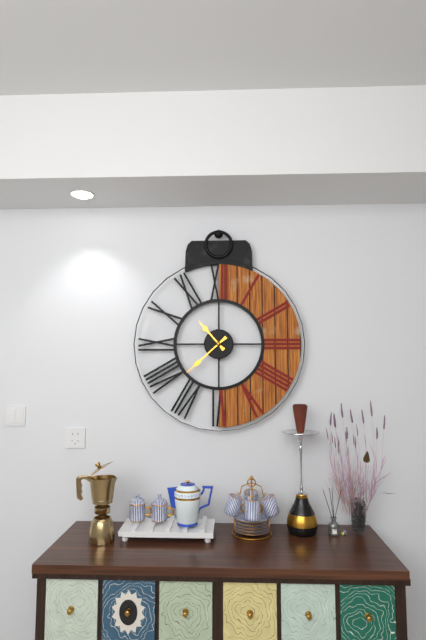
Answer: h=10 m=38
